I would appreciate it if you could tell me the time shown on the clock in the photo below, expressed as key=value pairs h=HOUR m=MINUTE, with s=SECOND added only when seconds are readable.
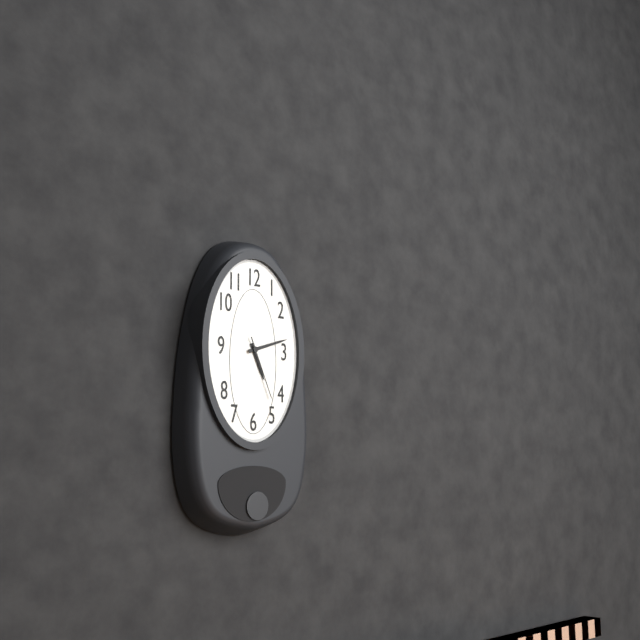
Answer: h=5 m=12 s=26
